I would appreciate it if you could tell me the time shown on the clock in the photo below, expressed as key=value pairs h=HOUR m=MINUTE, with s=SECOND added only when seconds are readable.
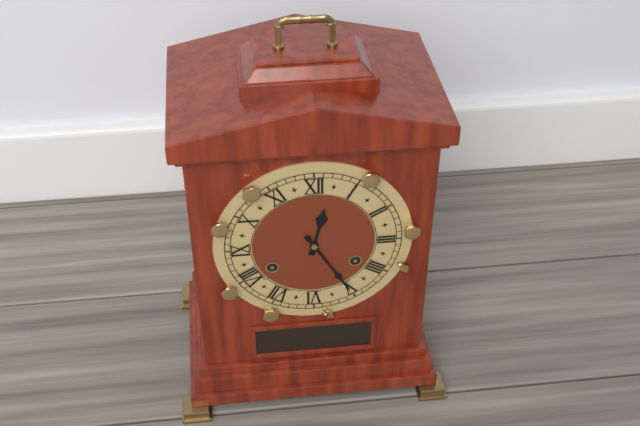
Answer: h=12 m=25
